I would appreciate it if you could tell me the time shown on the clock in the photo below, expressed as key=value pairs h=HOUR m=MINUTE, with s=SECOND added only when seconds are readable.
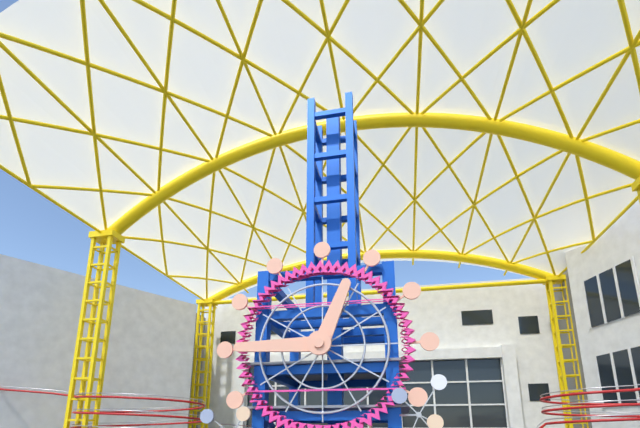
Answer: h=12 m=45
